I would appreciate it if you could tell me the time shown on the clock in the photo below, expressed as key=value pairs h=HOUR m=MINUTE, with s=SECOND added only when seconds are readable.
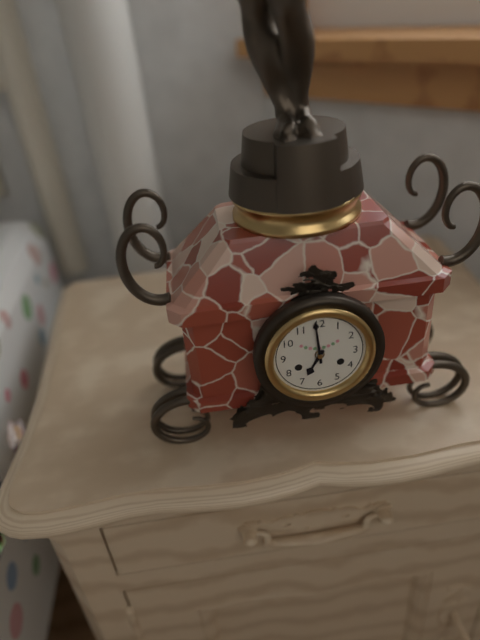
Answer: h=6 m=59
